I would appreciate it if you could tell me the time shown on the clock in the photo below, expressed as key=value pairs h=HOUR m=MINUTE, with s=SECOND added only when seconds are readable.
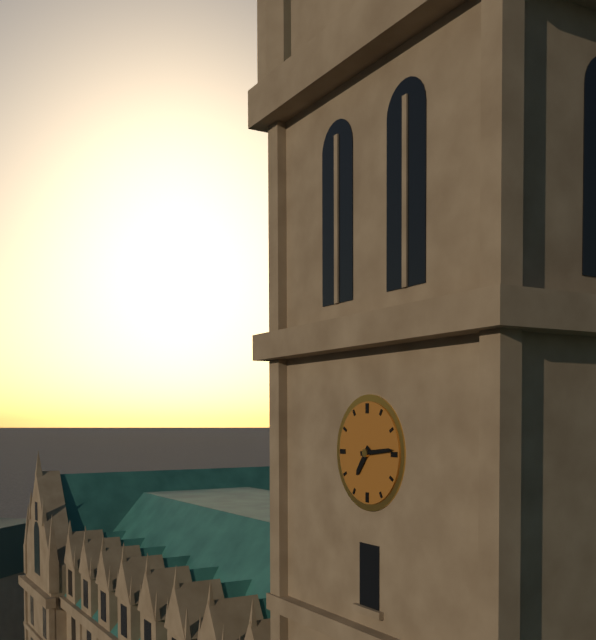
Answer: h=7 m=14
